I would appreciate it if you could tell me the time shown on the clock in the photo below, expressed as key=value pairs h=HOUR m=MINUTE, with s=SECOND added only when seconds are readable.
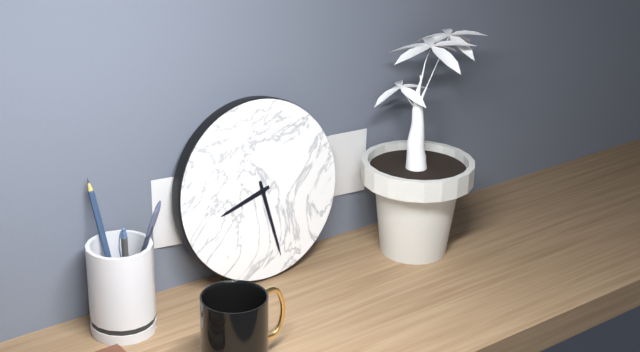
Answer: h=8 m=28
